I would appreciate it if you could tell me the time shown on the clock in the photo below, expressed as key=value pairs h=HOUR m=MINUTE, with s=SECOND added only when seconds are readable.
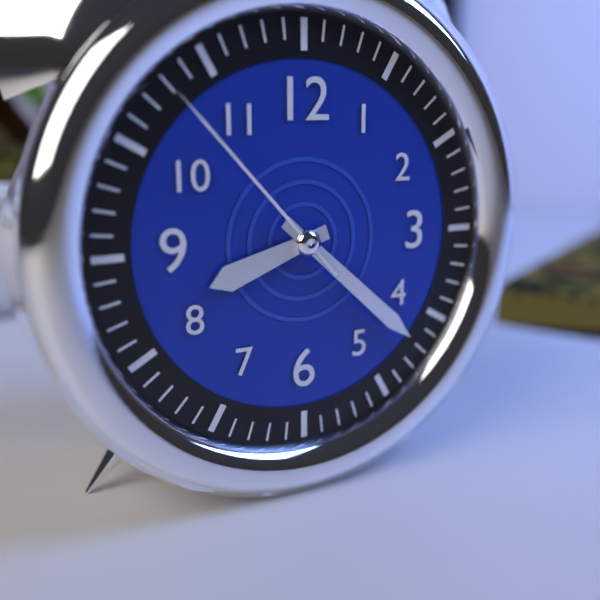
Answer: h=8 m=22 s=53
